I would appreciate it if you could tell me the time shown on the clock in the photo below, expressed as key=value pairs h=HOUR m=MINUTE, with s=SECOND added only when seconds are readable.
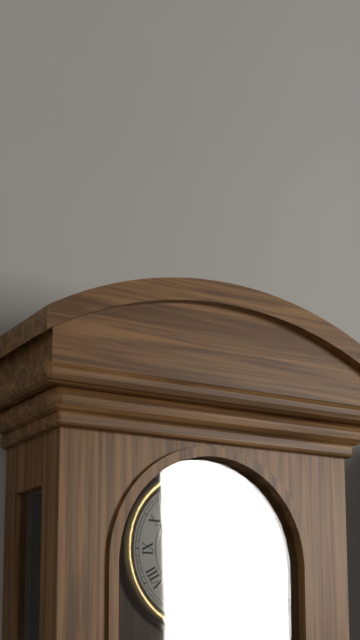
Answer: h=12 m=30
